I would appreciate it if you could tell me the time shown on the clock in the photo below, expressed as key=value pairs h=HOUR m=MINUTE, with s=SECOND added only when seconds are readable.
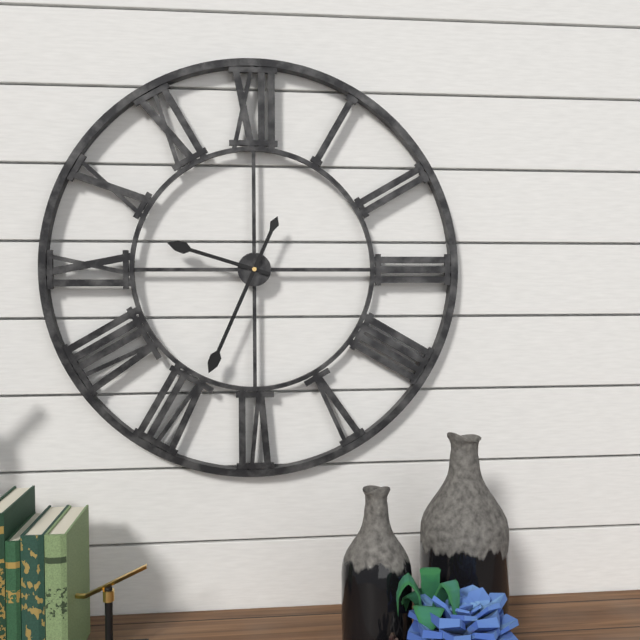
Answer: h=9 m=34
